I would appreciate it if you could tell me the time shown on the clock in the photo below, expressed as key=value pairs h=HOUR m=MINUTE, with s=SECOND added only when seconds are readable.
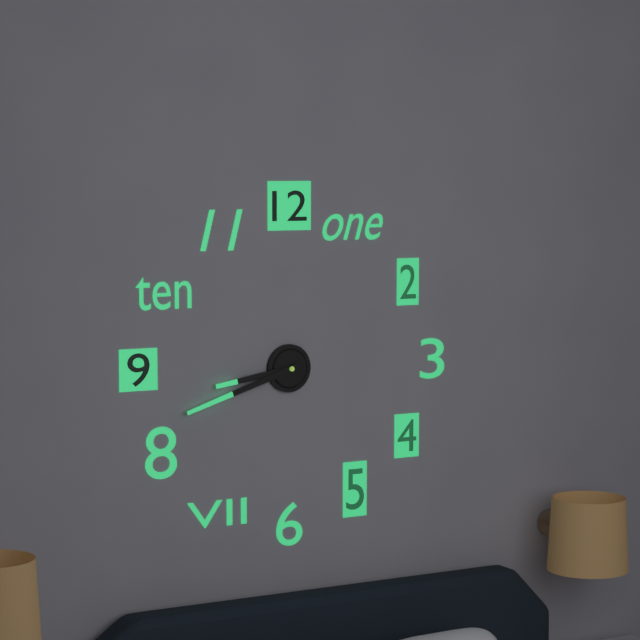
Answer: h=8 m=42
